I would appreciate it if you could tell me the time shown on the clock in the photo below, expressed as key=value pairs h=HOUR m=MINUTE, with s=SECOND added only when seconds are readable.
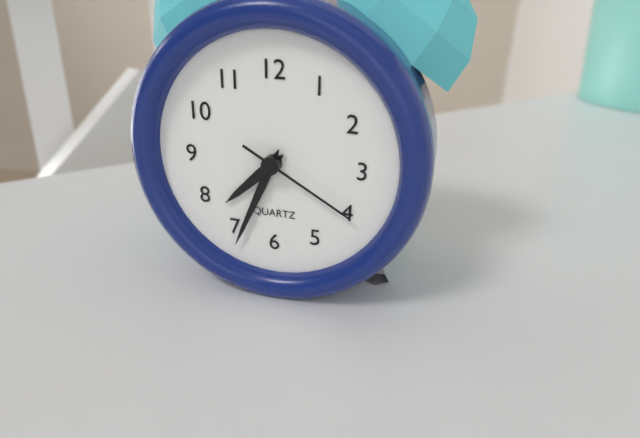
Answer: h=7 m=34 s=20
